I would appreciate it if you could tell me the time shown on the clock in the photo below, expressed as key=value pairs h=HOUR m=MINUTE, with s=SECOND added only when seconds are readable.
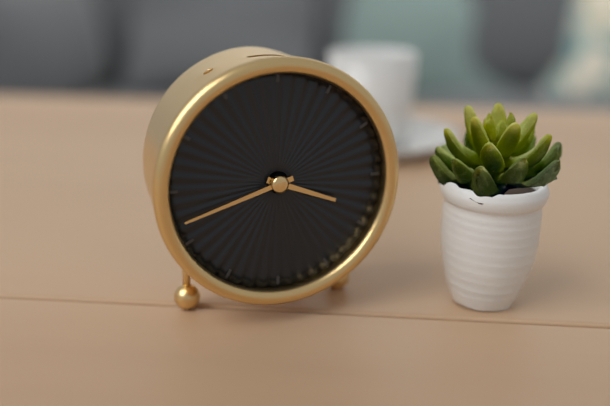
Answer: h=3 m=42
